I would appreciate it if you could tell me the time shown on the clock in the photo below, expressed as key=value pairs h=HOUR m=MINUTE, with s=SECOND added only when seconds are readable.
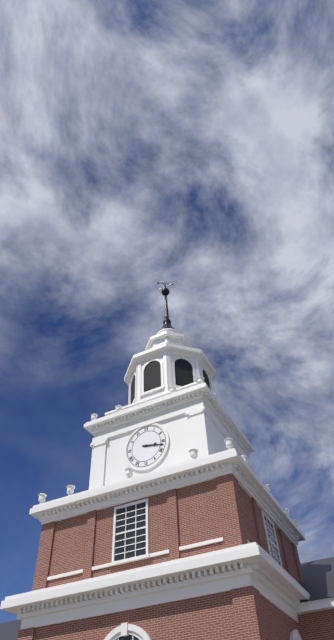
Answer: h=3 m=17
